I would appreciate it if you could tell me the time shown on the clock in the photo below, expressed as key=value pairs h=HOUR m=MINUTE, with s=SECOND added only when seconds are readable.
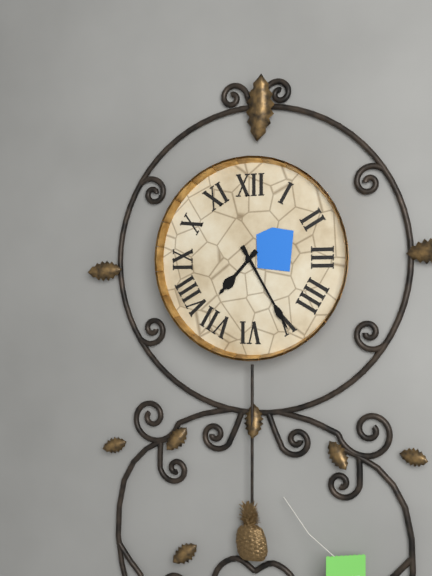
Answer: h=7 m=25
